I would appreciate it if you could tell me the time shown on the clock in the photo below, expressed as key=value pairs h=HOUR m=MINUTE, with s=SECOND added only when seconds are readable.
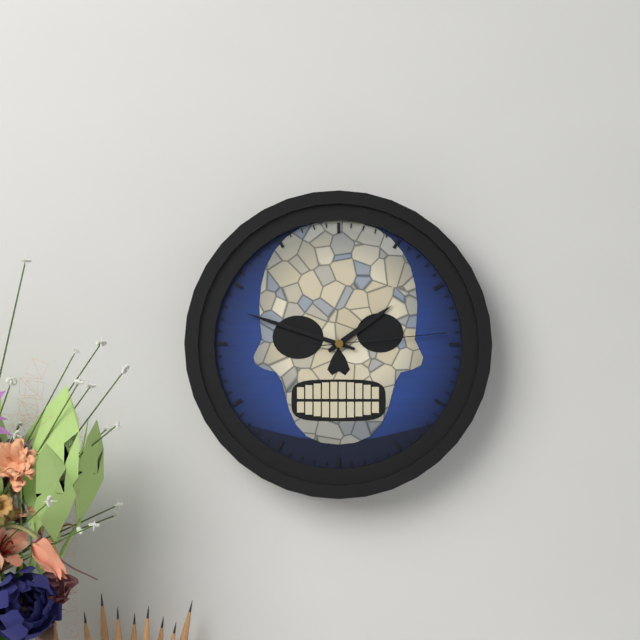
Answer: h=1 m=48 s=14
